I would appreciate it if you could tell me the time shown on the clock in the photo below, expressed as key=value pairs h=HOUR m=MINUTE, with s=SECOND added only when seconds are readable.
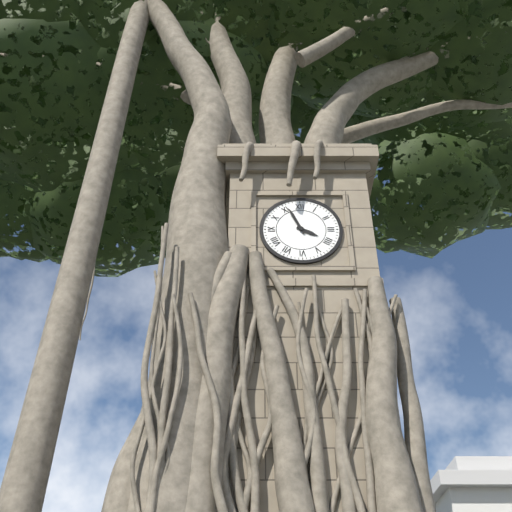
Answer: h=3 m=56
